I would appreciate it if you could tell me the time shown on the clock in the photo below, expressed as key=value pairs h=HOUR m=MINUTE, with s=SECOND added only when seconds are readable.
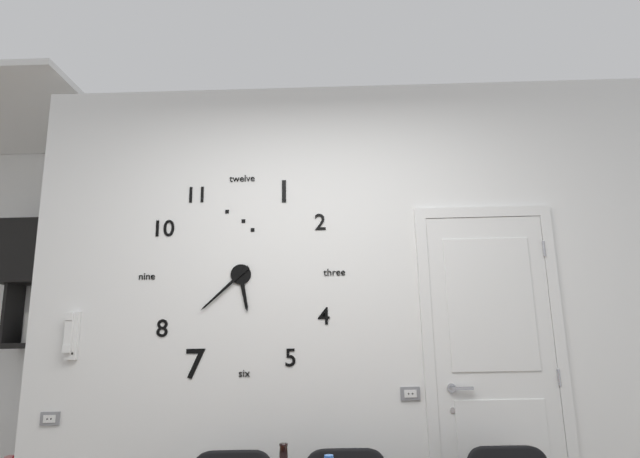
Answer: h=5 m=38
